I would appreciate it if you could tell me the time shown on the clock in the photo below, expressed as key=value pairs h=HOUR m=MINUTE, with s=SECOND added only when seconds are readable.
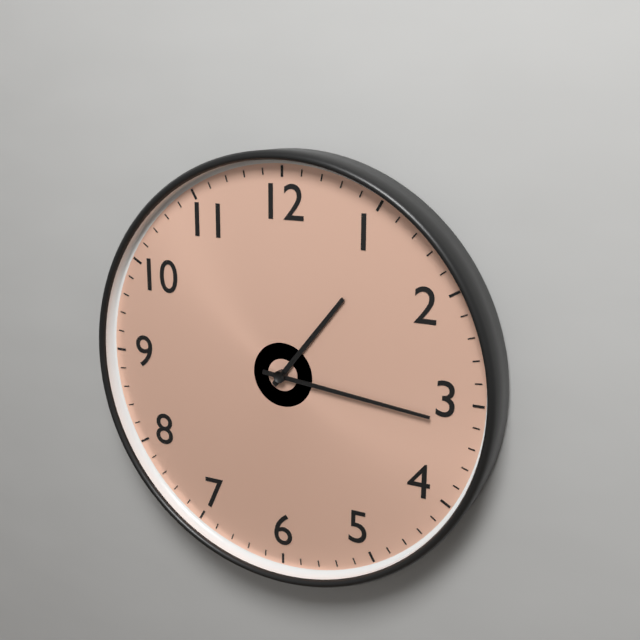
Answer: h=1 m=16
